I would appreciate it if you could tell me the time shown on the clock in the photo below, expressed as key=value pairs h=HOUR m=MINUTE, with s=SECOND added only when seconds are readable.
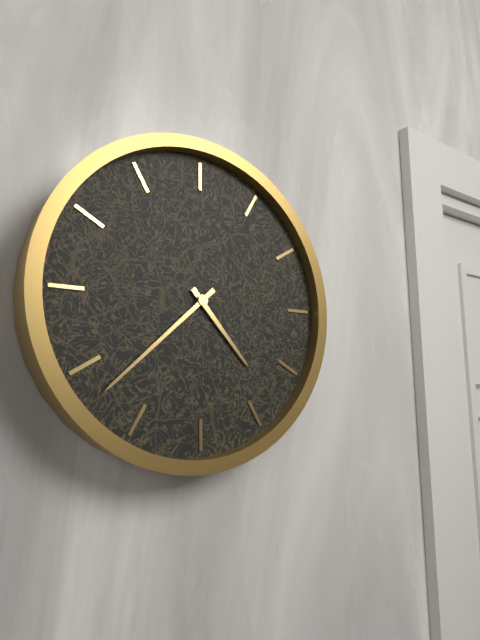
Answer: h=4 m=38
